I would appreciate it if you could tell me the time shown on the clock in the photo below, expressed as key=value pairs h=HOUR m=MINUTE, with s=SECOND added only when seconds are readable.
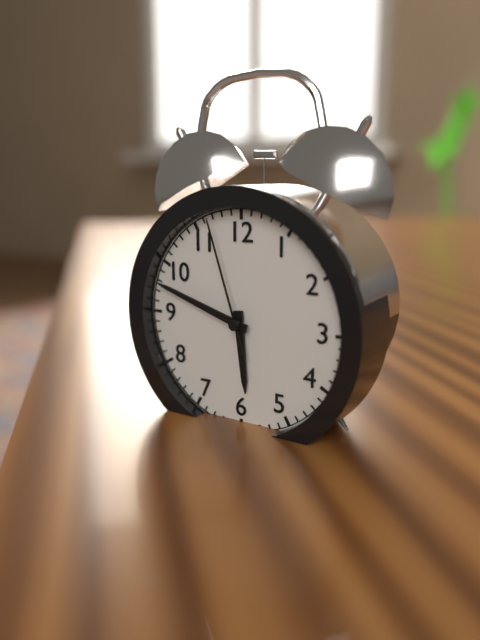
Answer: h=5 m=48 s=57
